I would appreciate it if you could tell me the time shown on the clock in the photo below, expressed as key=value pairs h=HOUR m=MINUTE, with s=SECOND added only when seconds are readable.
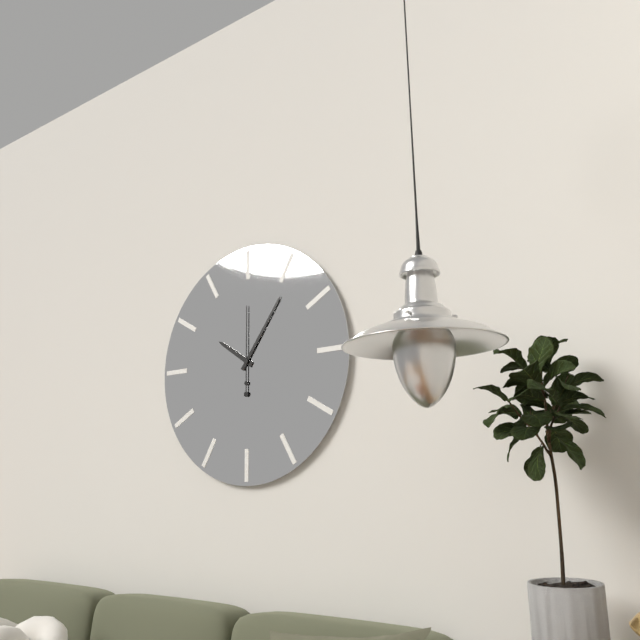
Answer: h=10 m=6 s=0
